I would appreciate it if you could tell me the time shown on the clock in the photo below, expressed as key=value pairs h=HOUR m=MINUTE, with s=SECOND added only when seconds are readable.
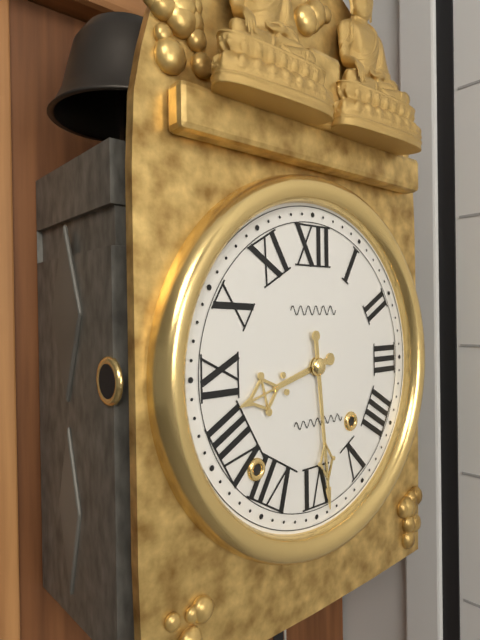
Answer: h=8 m=29
